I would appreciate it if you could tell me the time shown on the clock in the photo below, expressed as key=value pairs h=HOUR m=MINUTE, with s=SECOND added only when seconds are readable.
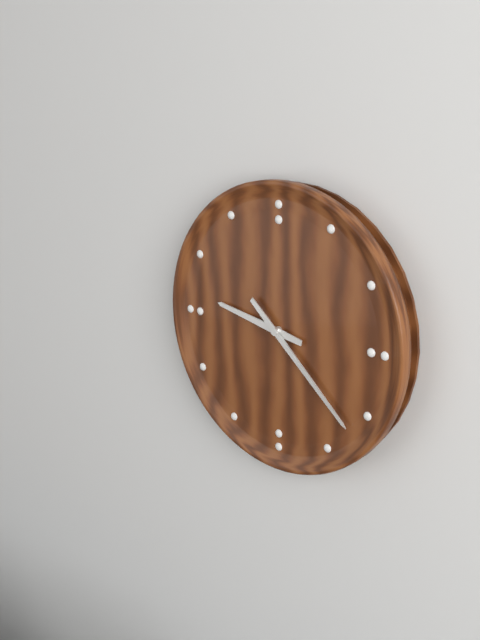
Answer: h=9 m=22
